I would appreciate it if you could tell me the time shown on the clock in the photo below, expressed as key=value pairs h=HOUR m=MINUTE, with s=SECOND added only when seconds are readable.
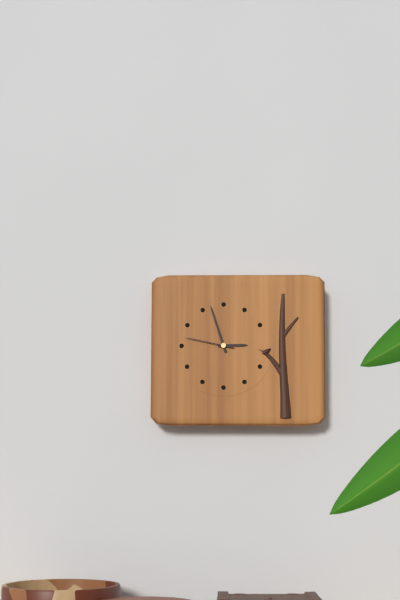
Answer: h=2 m=57 s=47
